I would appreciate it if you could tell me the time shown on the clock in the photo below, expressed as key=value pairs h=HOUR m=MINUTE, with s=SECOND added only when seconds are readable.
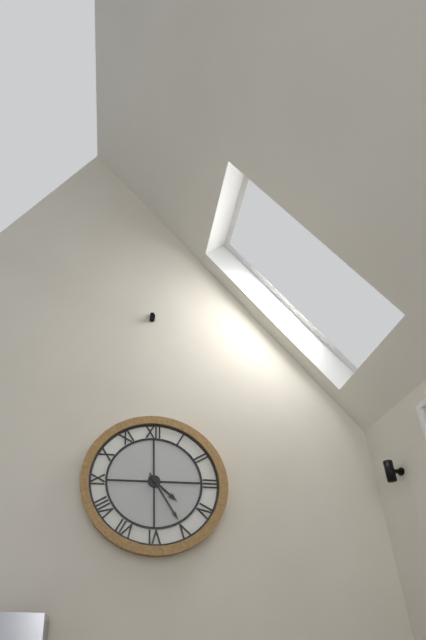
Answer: h=4 m=25
